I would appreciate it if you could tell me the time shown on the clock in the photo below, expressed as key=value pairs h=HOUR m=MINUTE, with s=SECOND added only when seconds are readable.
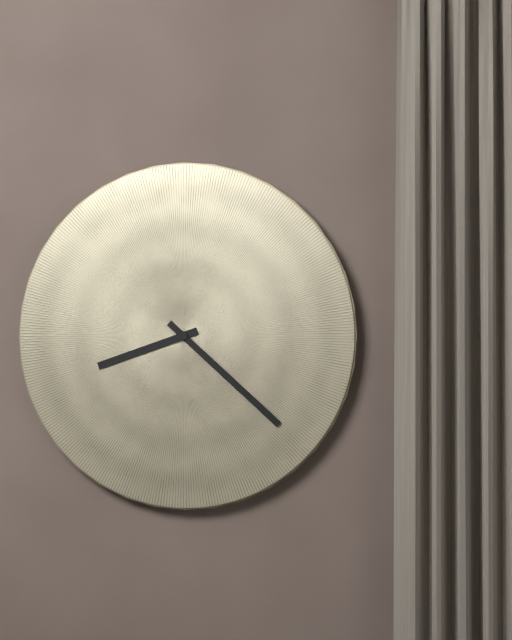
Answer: h=8 m=22
